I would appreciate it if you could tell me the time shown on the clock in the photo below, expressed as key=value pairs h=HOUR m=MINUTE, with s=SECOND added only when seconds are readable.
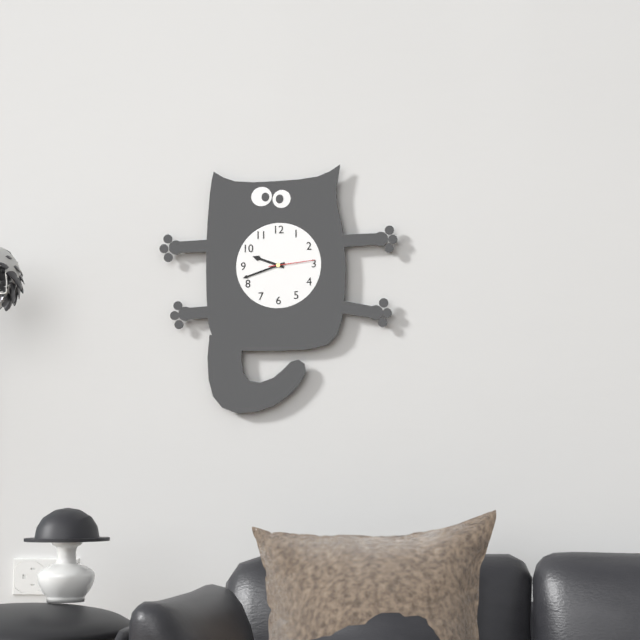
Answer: h=9 m=42
